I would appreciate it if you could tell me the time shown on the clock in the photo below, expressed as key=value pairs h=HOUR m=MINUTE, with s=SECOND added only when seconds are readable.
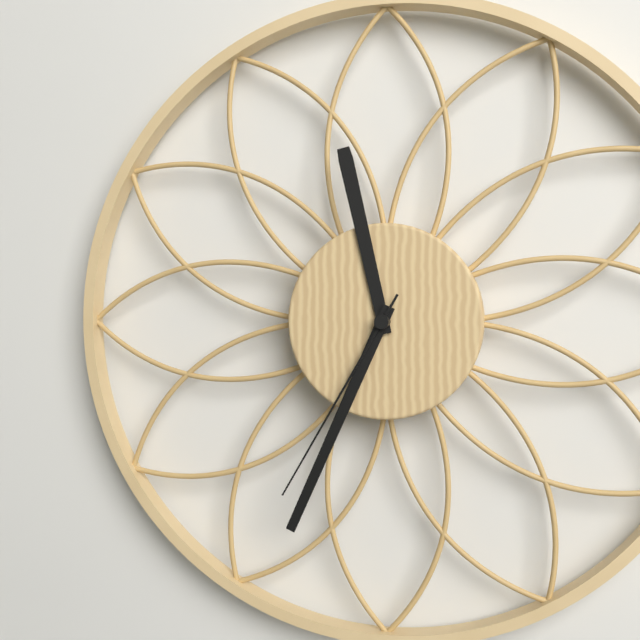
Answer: h=11 m=34 s=35
